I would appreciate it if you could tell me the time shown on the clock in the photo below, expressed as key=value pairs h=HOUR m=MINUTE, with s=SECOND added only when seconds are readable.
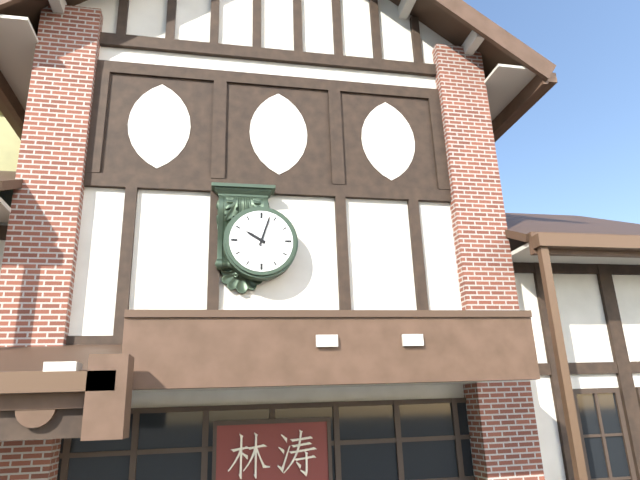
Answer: h=10 m=3
